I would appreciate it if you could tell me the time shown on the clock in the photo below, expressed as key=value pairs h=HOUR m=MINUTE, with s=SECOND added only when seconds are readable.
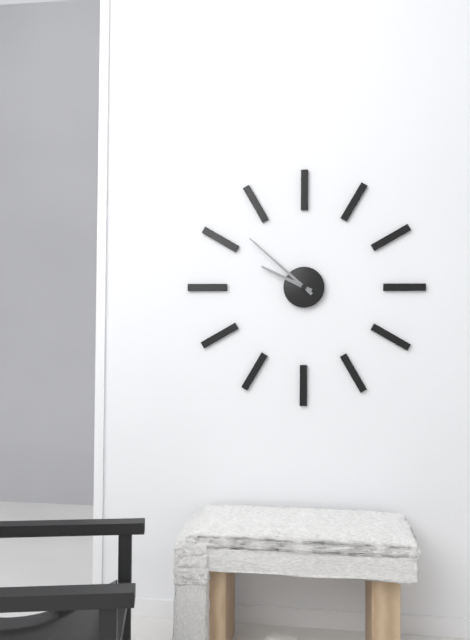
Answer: h=9 m=52
